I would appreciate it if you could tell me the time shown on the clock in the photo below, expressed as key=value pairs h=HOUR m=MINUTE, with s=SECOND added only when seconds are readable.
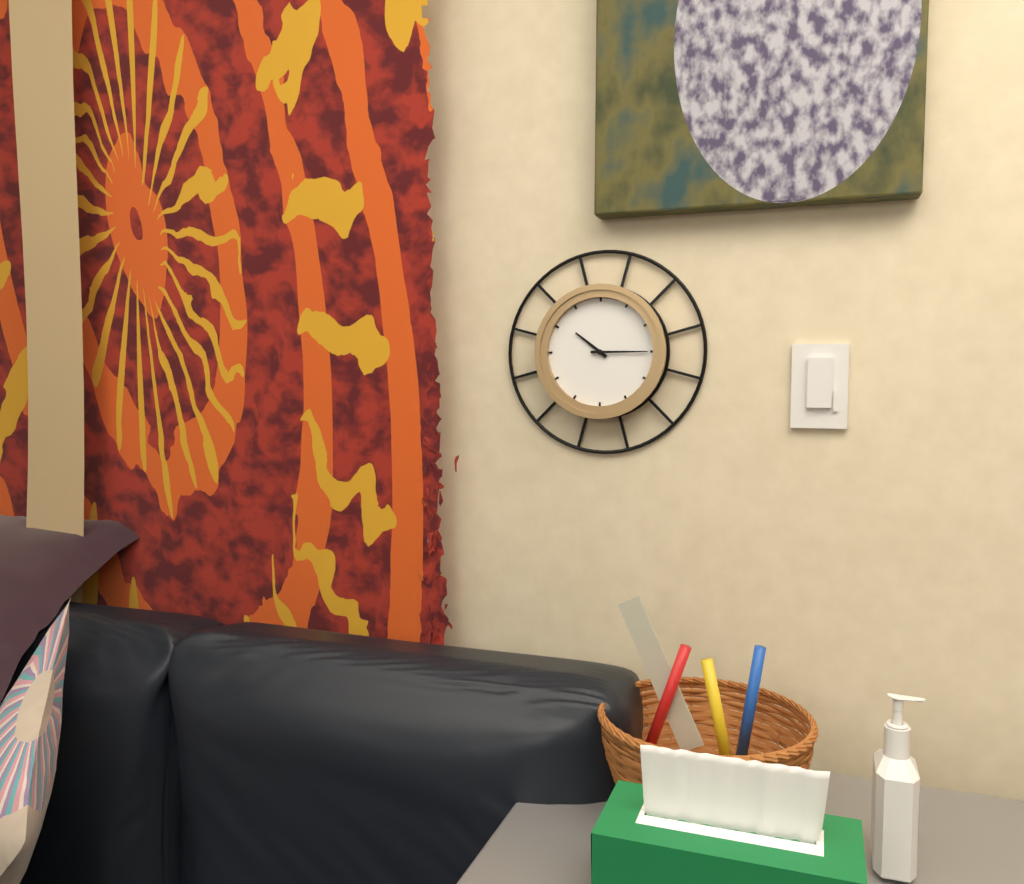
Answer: h=10 m=15
